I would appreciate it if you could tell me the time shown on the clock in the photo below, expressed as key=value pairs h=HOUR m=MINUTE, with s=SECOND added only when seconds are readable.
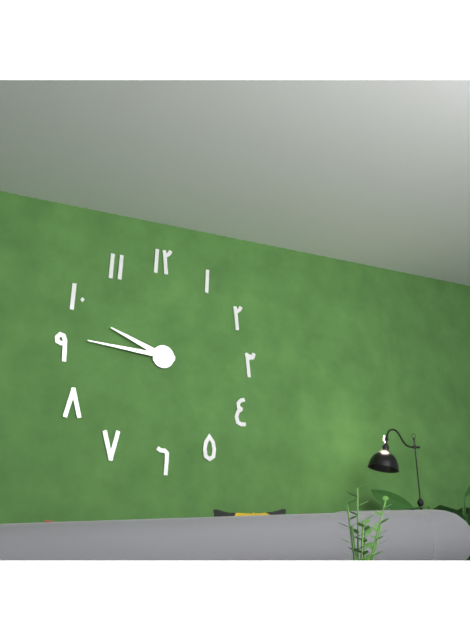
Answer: h=9 m=46
